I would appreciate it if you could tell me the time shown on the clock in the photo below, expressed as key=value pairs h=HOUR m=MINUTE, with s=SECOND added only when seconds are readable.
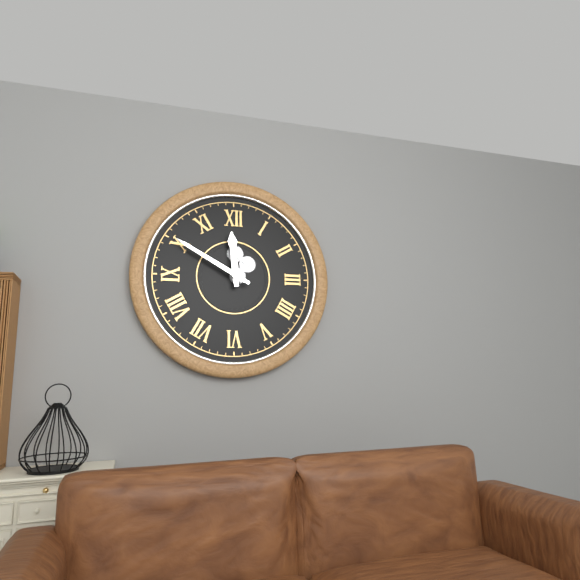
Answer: h=11 m=50
